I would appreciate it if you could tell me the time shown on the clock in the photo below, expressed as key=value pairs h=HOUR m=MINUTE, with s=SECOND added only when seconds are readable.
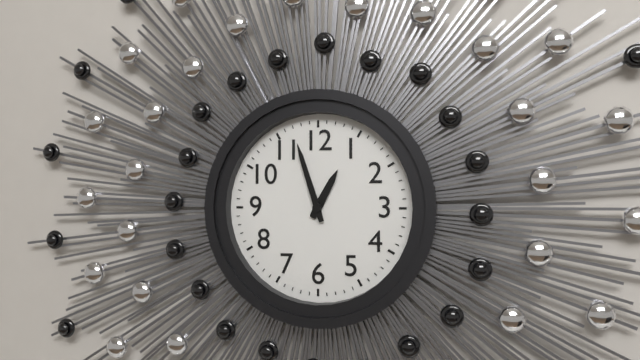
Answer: h=12 m=57
